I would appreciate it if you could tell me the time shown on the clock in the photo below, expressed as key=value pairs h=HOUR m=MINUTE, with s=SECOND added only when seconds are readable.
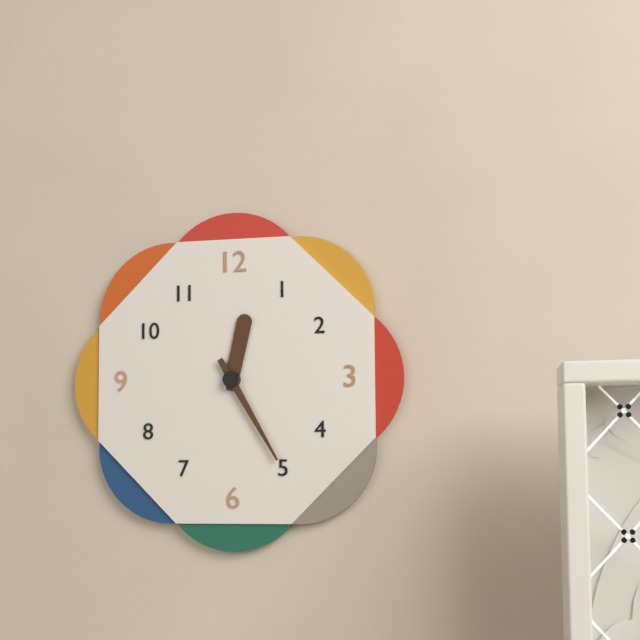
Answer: h=12 m=25
